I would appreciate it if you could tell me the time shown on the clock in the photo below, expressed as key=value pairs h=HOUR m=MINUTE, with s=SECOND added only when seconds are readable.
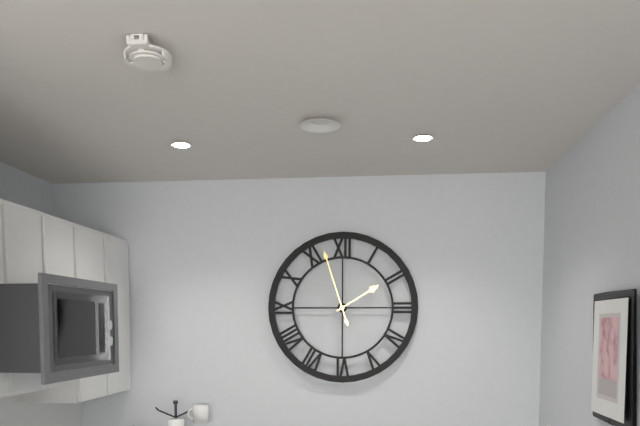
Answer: h=1 m=57
